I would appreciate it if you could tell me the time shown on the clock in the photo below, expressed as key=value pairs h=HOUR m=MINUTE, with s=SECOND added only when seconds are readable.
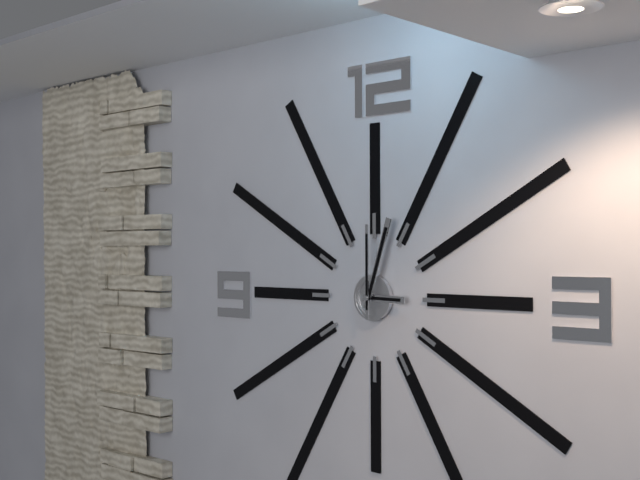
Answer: h=3 m=3 s=0
